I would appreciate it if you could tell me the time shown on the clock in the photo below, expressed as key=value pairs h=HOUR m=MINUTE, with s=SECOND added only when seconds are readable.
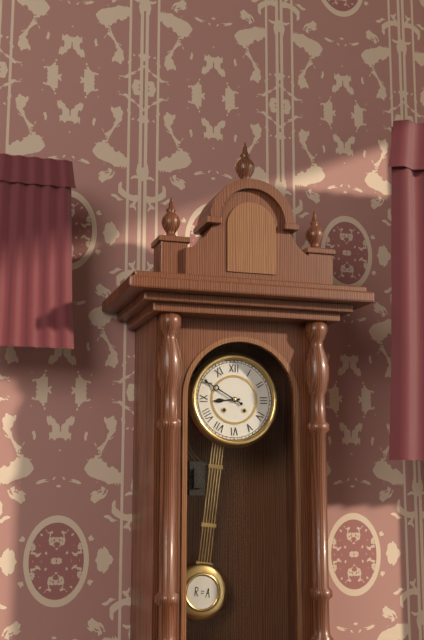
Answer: h=8 m=50
